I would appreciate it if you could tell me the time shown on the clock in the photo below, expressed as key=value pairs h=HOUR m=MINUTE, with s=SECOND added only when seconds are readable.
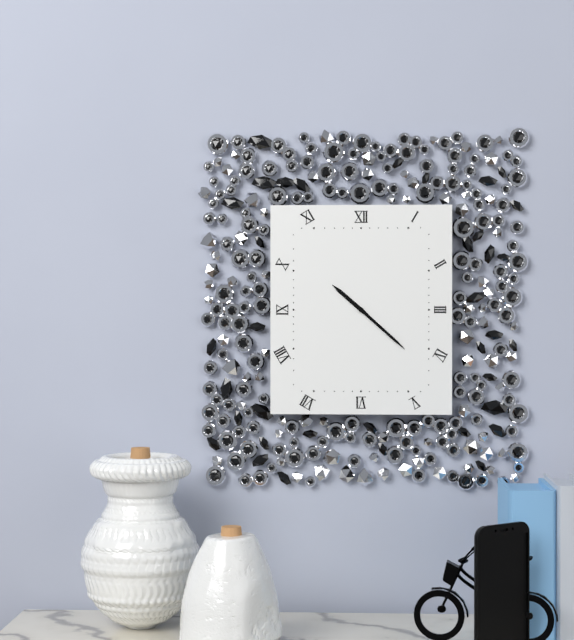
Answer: h=10 m=22
